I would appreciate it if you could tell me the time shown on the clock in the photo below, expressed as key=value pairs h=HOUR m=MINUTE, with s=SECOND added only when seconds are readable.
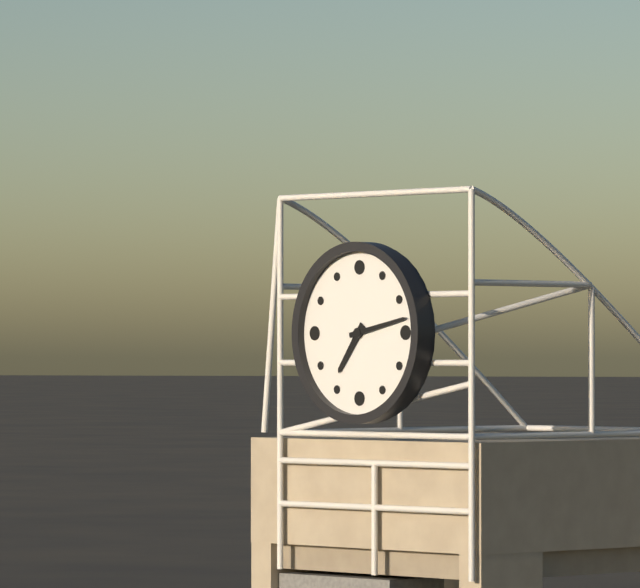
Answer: h=7 m=13
